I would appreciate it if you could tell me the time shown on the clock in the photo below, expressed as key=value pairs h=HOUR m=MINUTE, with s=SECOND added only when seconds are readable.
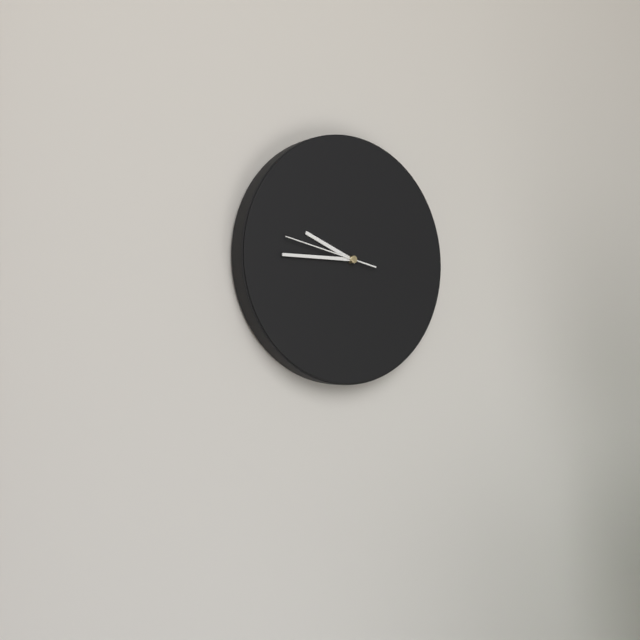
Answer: h=9 m=45 s=47
